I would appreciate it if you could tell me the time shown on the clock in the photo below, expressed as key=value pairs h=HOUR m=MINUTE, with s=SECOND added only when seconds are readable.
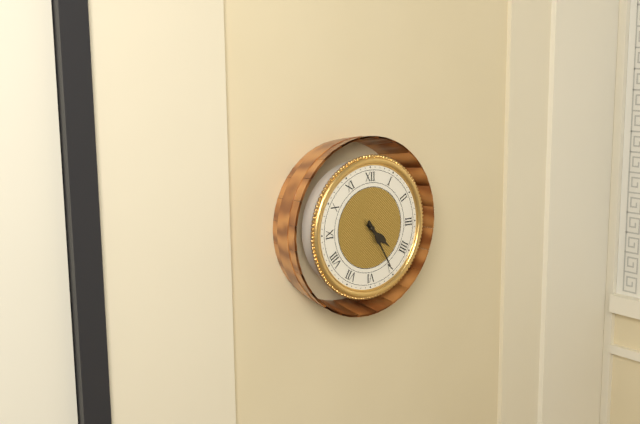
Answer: h=4 m=25
